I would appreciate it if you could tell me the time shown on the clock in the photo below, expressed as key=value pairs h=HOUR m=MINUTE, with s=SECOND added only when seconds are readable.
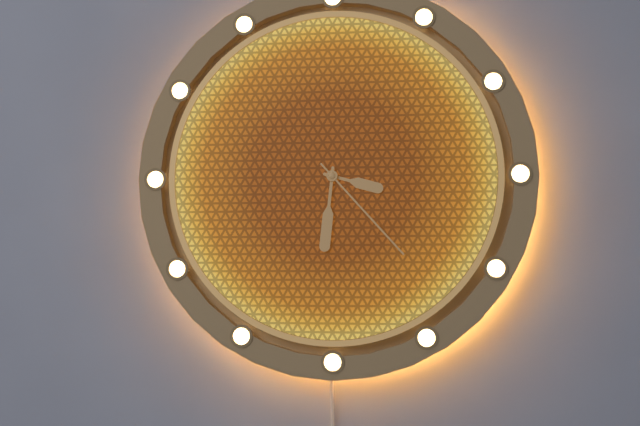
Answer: h=3 m=31 s=23
